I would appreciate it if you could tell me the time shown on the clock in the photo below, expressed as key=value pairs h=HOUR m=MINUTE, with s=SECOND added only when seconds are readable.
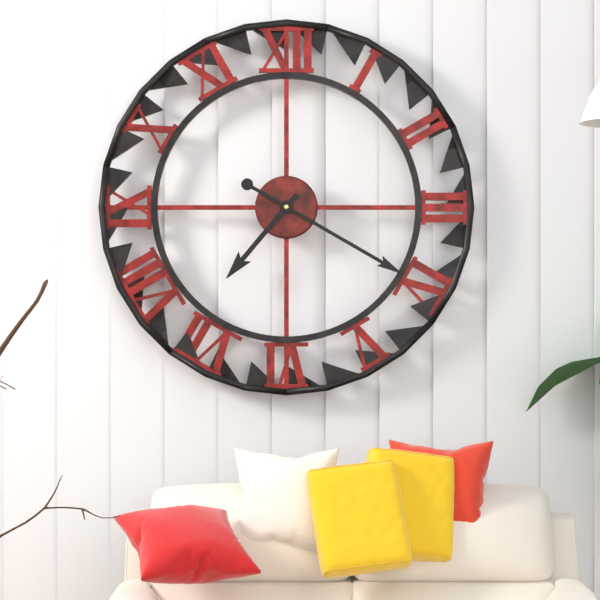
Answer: h=7 m=20
